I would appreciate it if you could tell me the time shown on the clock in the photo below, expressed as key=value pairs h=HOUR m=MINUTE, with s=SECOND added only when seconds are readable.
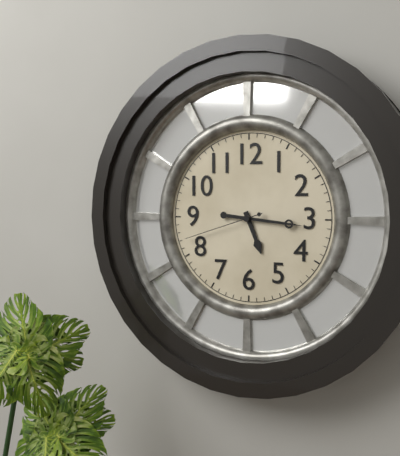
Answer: h=5 m=16 s=42
